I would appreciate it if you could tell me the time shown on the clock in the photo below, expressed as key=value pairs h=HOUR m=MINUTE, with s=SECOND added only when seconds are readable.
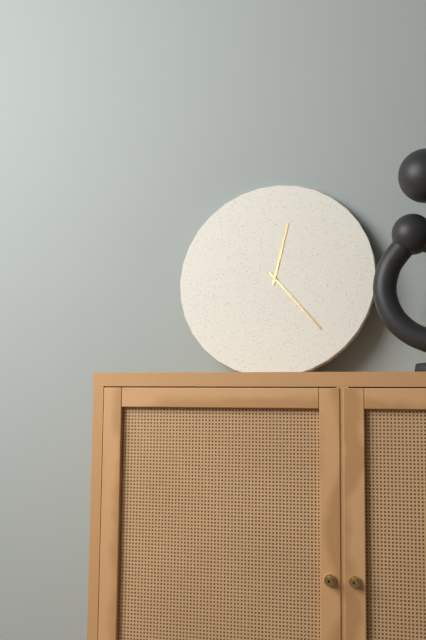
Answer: h=12 m=23
